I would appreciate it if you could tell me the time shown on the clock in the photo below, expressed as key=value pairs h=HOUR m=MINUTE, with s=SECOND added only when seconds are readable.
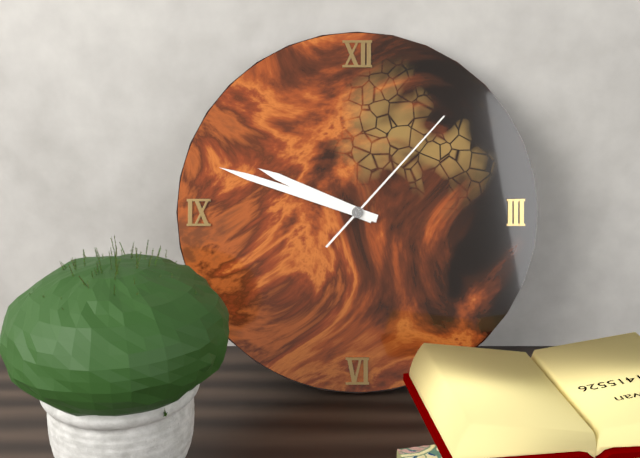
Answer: h=9 m=48 s=7
